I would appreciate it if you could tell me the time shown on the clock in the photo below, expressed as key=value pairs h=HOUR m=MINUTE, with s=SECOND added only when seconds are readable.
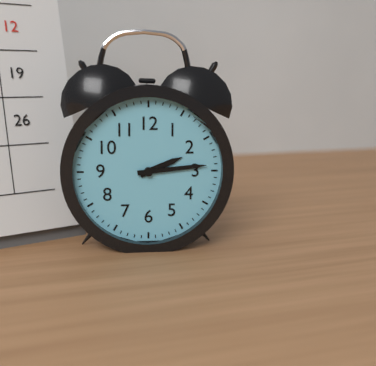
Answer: h=2 m=14
